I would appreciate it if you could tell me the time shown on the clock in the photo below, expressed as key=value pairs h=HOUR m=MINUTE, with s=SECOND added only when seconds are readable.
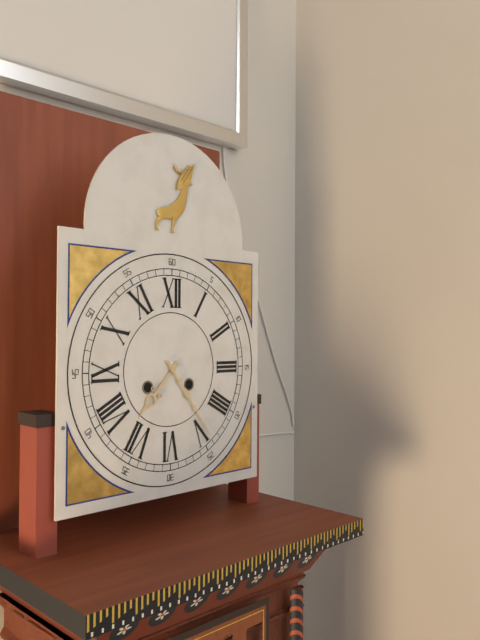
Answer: h=7 m=24
